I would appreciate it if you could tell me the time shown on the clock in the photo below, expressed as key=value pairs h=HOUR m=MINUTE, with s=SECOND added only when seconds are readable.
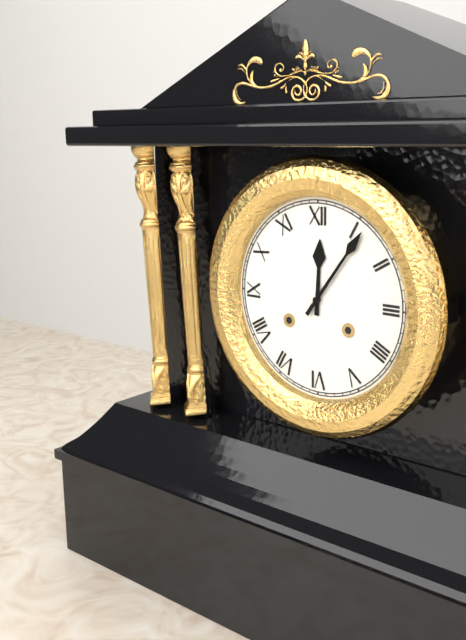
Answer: h=12 m=6
